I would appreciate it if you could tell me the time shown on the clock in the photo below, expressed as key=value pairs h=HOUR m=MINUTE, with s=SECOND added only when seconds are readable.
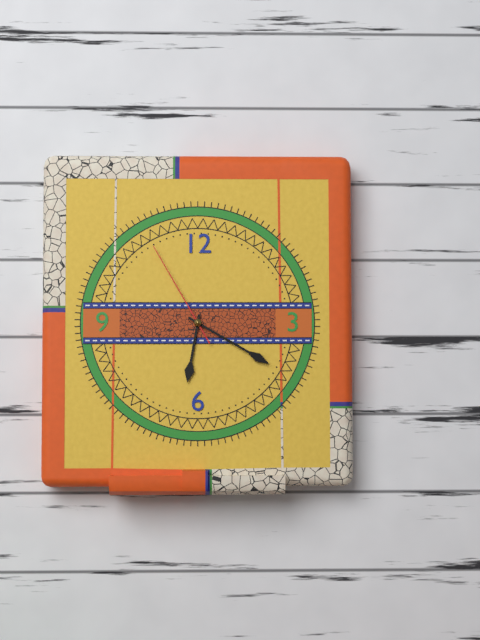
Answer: h=6 m=20 s=55
